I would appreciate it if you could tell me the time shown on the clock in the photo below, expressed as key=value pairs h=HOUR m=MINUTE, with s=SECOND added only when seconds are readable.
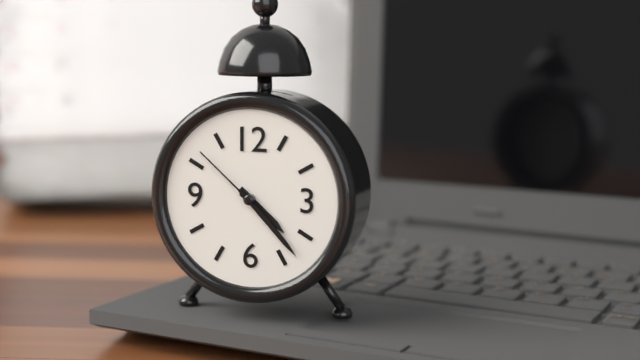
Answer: h=4 m=23 s=52
